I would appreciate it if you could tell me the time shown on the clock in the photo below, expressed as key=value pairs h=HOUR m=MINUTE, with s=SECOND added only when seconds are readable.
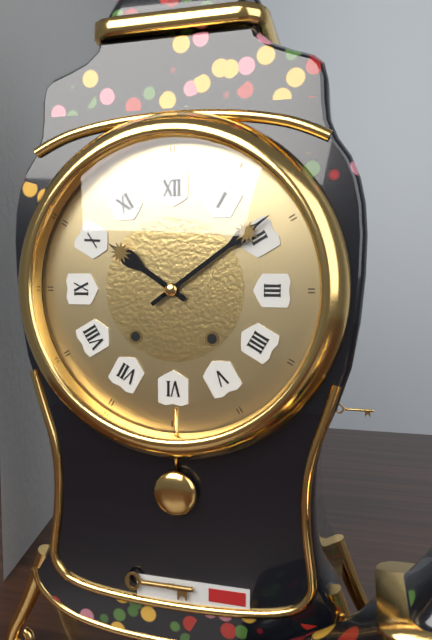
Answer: h=10 m=9
